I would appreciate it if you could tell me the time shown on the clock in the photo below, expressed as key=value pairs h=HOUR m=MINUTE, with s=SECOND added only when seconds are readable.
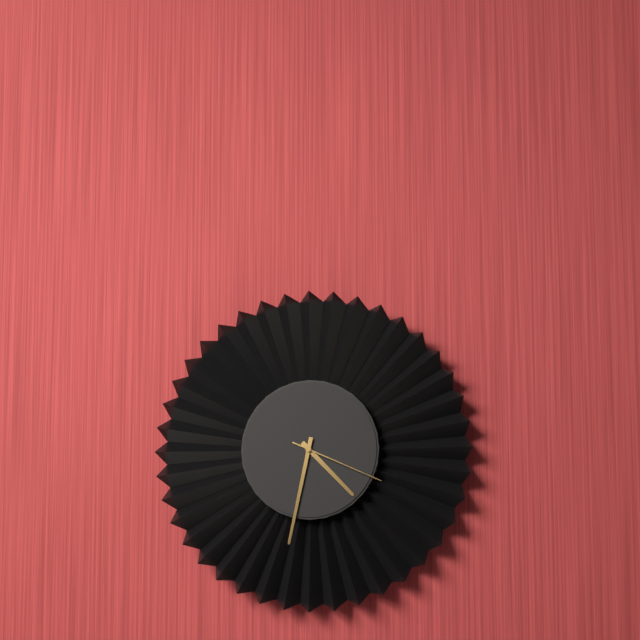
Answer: h=4 m=32 s=19
